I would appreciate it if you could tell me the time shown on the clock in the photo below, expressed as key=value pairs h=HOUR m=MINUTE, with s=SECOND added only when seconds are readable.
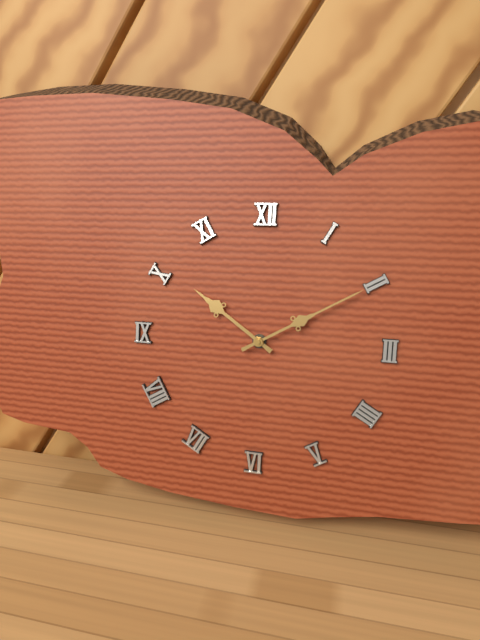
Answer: h=10 m=10
